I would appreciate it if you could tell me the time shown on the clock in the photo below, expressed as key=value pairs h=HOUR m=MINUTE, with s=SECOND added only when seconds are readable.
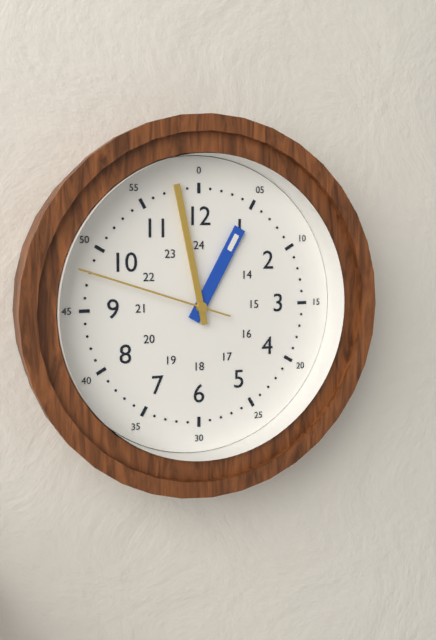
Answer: h=12 m=58 s=48
